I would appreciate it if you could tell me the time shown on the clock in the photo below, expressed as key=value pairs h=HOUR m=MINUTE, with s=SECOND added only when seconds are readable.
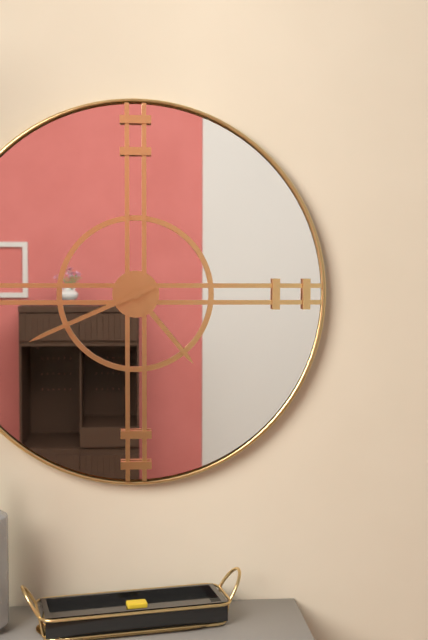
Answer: h=4 m=41
